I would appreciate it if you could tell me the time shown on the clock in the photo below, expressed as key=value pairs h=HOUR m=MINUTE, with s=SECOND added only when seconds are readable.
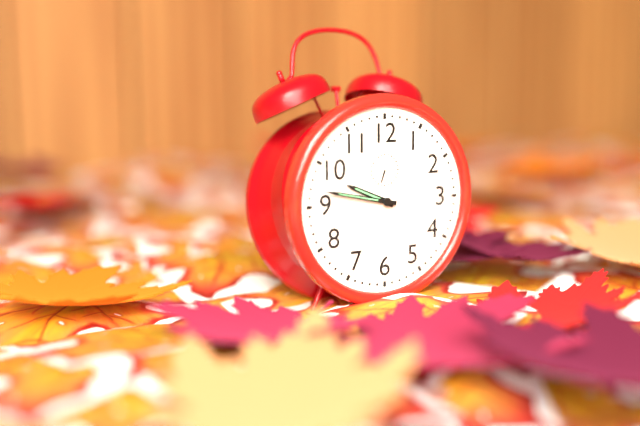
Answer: h=9 m=47
